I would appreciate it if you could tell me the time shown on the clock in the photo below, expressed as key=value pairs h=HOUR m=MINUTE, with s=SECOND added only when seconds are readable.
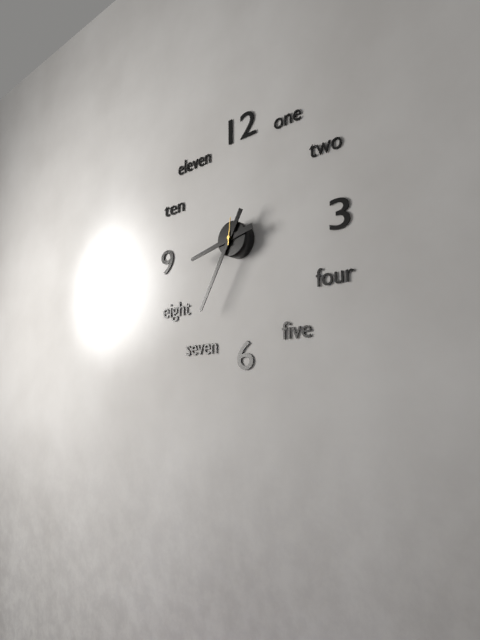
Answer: h=8 m=35
